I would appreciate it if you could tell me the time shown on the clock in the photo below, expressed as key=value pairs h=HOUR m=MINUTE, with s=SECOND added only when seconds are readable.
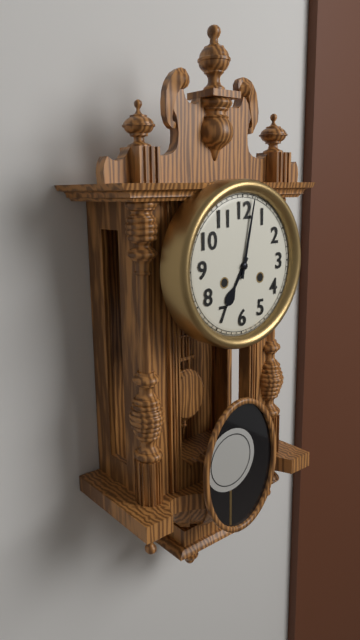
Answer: h=7 m=2
